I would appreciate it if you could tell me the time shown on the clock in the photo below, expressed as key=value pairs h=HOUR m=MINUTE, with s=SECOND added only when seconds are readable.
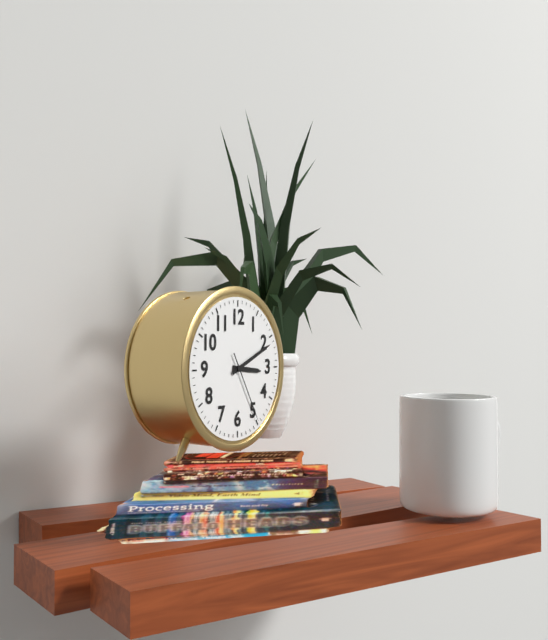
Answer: h=3 m=11 s=25
